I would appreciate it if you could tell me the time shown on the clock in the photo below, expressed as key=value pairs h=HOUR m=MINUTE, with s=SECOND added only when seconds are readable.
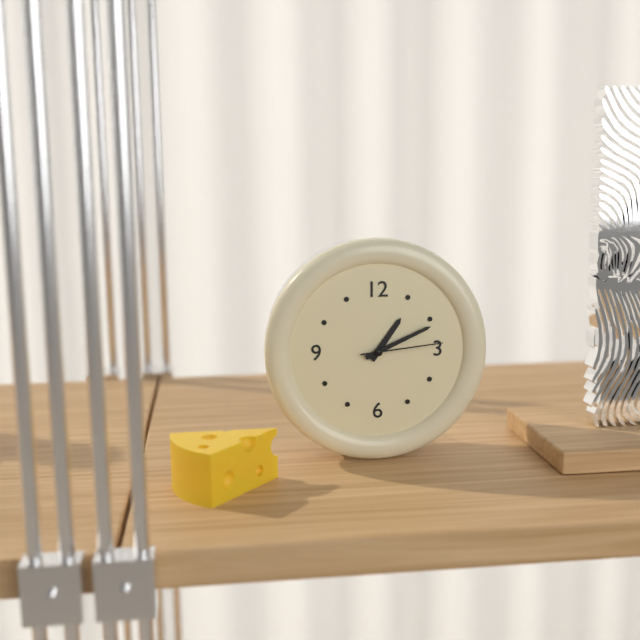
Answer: h=1 m=11 s=14
